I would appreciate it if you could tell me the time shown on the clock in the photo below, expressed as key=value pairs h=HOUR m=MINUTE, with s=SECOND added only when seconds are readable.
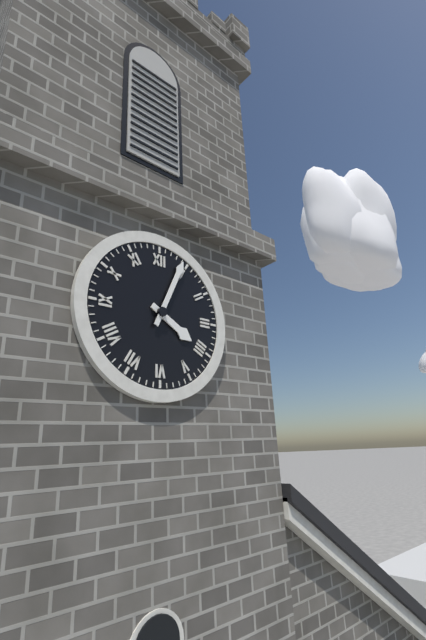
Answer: h=4 m=4
